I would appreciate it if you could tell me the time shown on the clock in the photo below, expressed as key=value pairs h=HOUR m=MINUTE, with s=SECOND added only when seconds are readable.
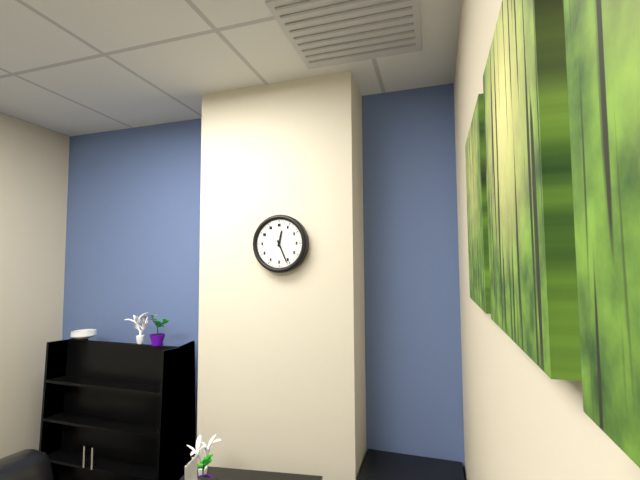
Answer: h=12 m=26
